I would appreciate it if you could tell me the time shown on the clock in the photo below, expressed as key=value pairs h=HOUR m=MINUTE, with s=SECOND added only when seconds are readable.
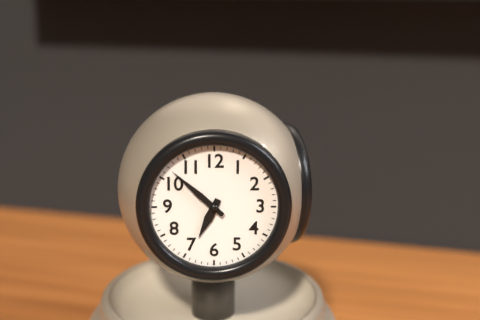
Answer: h=6 m=52
